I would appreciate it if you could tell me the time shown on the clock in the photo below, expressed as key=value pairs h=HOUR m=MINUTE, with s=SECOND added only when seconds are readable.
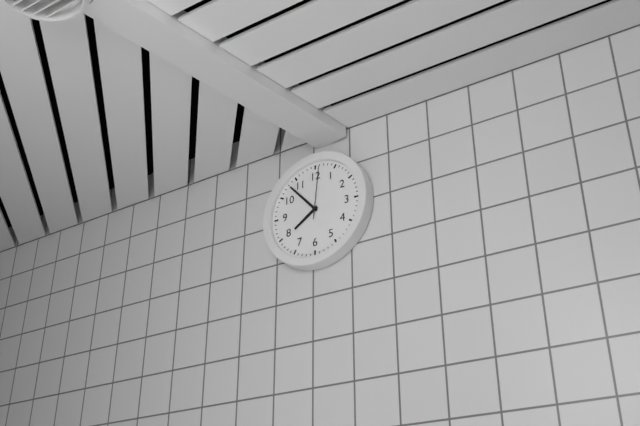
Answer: h=7 m=53 s=1
